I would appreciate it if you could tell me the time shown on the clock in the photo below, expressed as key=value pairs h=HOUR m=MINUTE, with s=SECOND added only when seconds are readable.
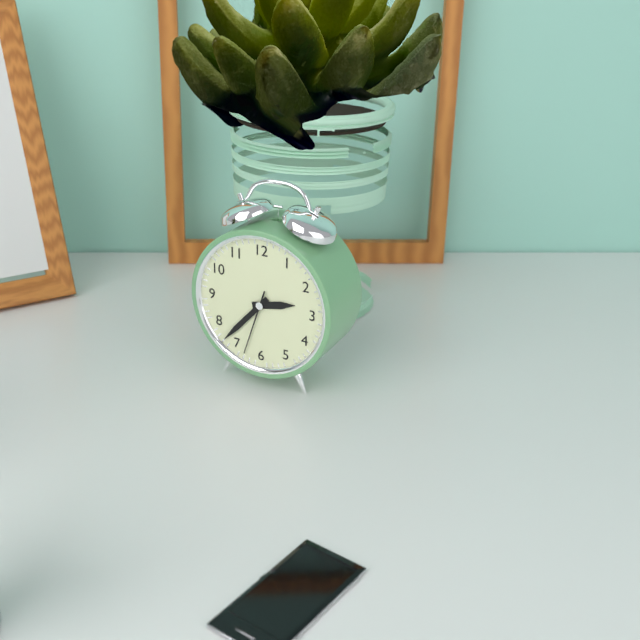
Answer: h=2 m=37 s=33
